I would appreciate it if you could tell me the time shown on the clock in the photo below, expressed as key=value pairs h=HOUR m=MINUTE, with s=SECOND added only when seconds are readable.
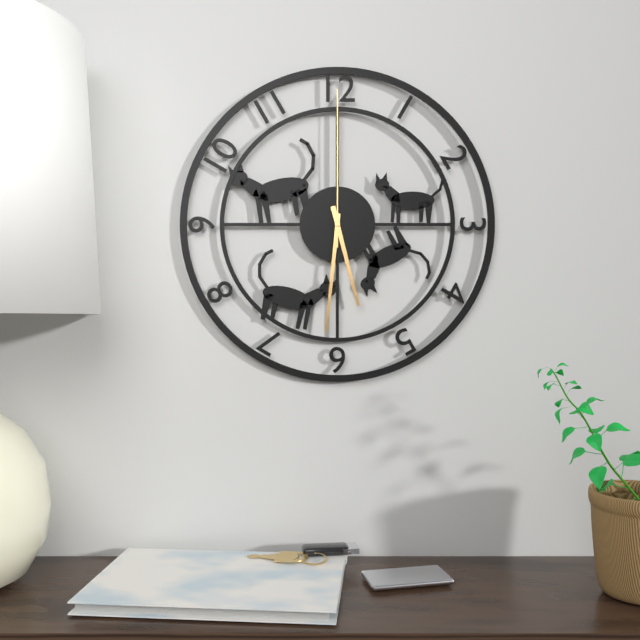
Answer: h=5 m=31 s=0
